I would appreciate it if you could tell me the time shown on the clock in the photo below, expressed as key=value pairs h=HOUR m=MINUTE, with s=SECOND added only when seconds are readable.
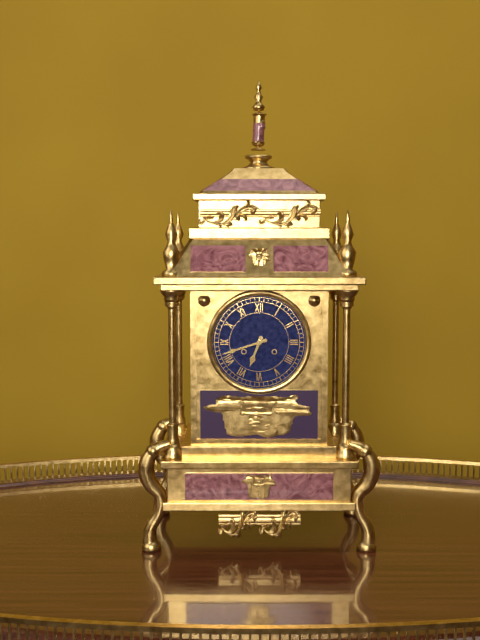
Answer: h=6 m=42
